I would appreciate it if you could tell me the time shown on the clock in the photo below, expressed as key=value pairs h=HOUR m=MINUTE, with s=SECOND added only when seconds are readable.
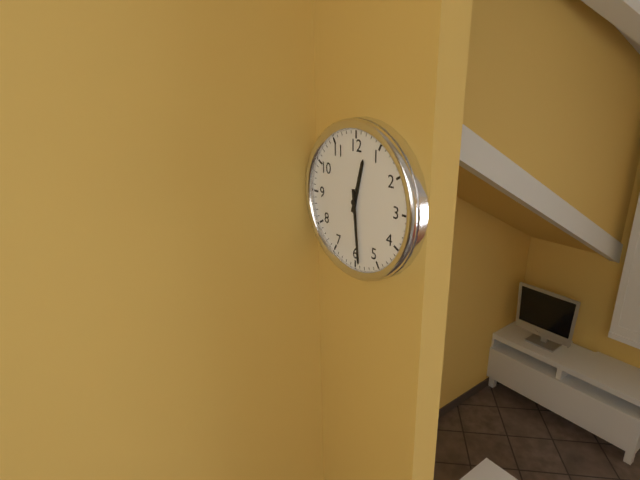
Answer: h=12 m=29
